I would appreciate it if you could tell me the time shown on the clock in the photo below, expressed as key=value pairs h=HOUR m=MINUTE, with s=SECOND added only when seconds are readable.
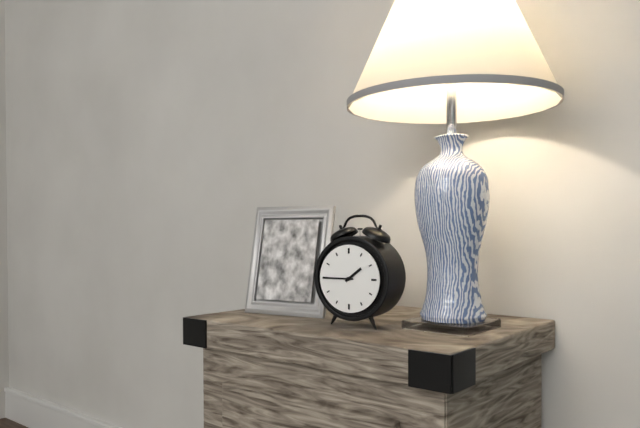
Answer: h=1 m=45
